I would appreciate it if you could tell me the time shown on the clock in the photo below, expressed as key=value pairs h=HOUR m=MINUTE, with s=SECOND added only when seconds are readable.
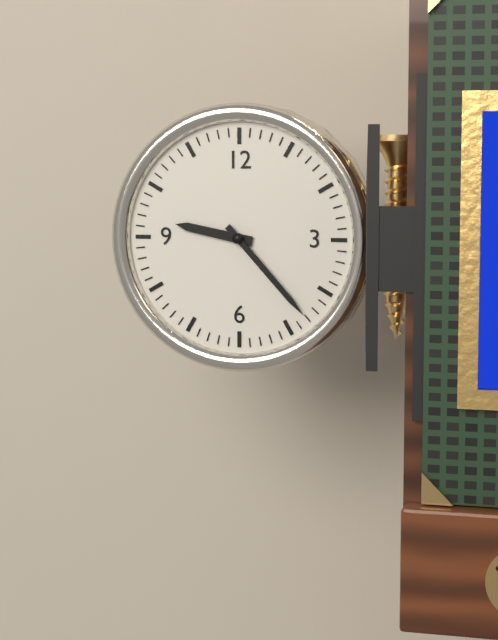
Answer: h=9 m=23
